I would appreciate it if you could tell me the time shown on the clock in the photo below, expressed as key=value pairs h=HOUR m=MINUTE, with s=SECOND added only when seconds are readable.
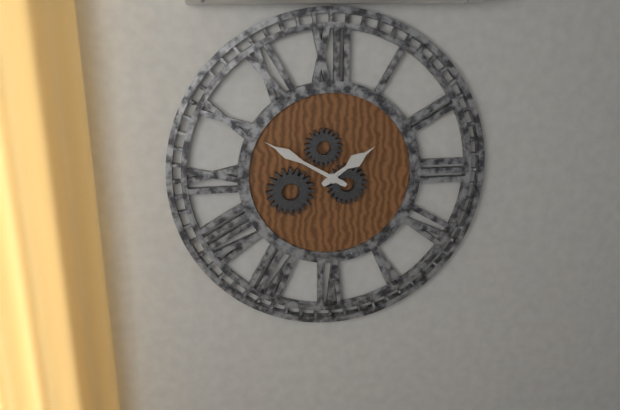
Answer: h=1 m=50
